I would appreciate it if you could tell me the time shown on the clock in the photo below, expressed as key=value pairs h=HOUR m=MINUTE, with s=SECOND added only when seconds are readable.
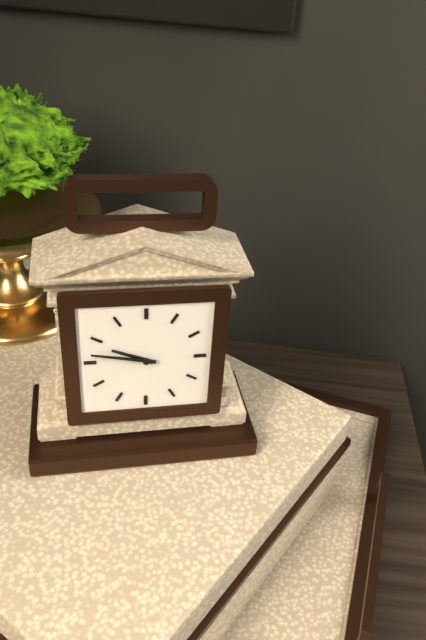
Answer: h=9 m=47
